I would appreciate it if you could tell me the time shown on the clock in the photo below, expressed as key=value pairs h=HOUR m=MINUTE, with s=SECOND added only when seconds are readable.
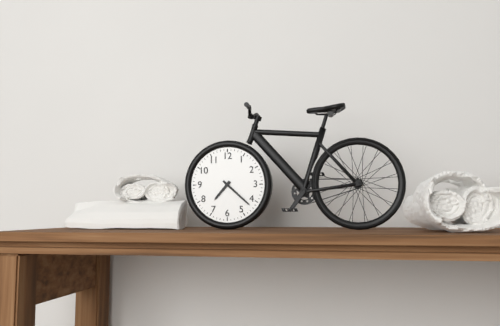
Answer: h=7 m=22
